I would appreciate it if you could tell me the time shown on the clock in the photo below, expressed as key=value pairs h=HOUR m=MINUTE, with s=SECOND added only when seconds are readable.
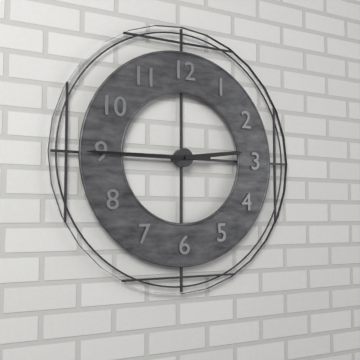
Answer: h=2 m=45
